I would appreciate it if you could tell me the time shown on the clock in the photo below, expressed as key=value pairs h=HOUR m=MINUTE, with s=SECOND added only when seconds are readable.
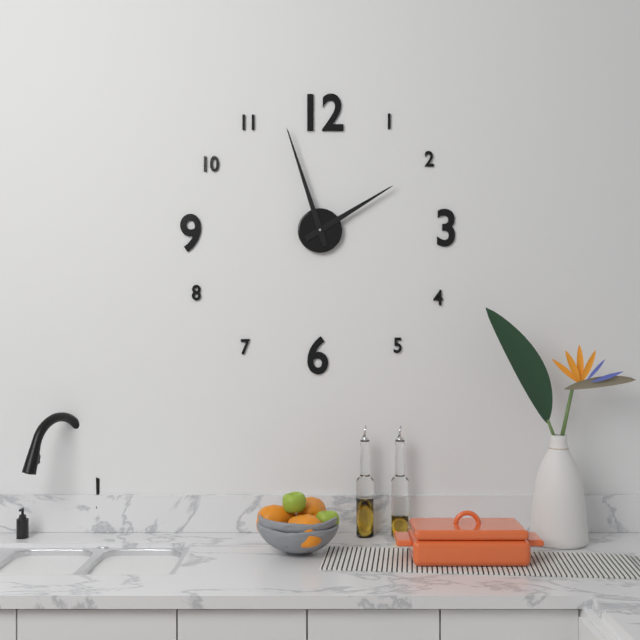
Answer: h=1 m=57
